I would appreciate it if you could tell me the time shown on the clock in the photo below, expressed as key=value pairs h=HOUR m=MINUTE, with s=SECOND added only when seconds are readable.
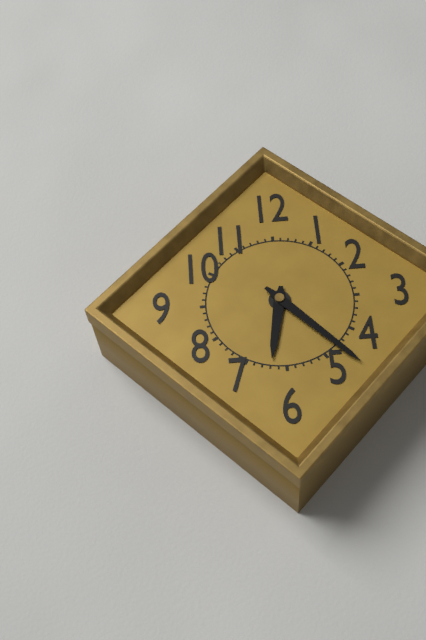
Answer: h=6 m=23
